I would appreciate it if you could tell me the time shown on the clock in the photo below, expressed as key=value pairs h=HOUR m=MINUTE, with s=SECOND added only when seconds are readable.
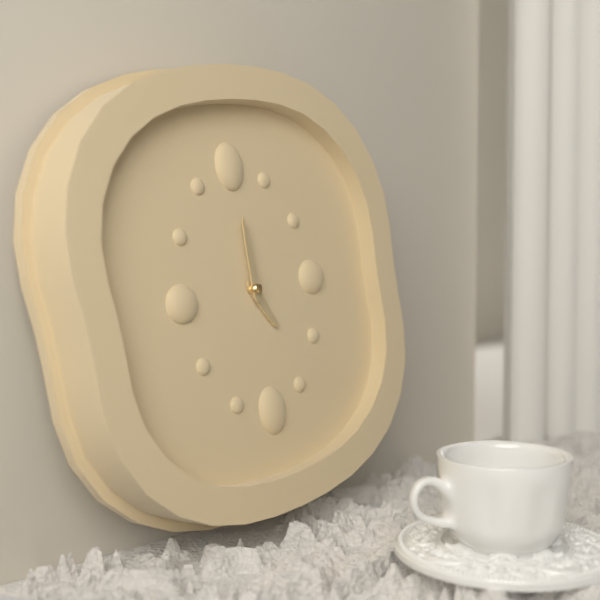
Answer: h=5 m=0
